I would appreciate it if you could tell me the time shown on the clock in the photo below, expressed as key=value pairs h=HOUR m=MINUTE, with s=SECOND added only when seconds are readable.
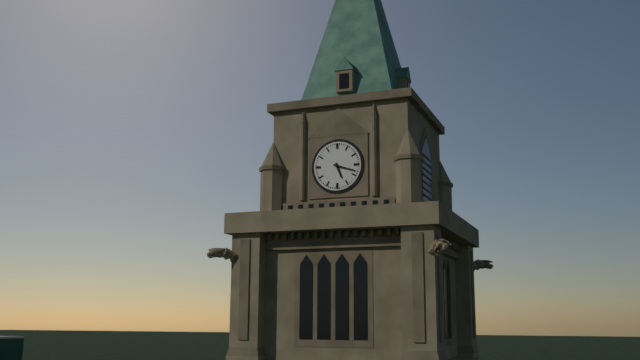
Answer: h=5 m=18
